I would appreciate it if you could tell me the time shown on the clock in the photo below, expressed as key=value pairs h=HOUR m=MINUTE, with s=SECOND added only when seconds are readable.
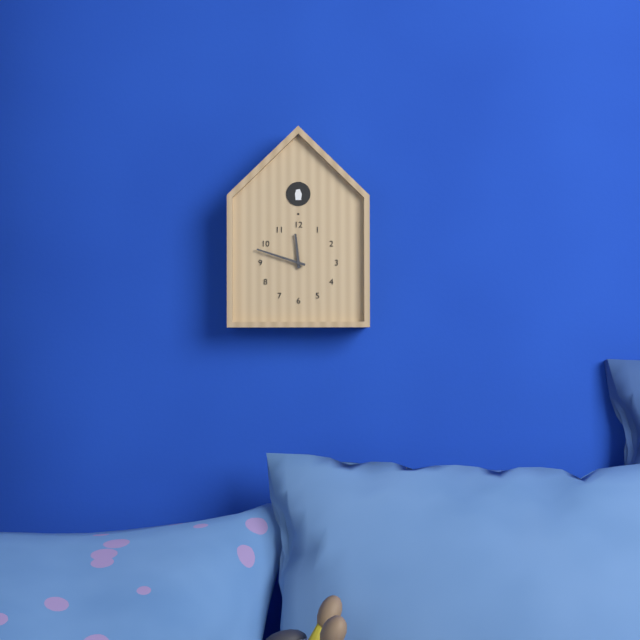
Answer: h=11 m=48
